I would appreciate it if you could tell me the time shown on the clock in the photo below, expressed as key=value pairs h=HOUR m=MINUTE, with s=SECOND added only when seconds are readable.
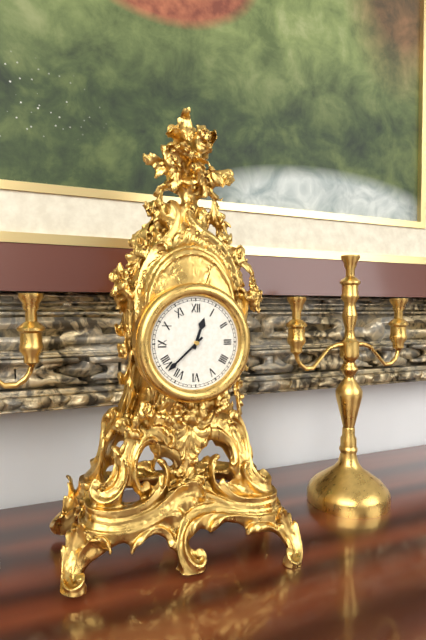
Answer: h=12 m=38
